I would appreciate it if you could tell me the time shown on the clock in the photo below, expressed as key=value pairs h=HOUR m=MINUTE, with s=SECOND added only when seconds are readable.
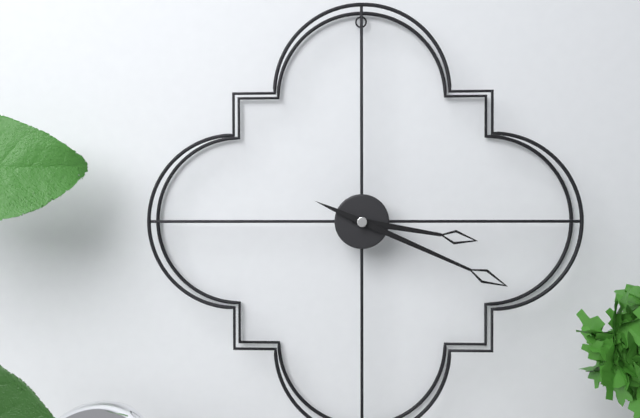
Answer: h=3 m=19
